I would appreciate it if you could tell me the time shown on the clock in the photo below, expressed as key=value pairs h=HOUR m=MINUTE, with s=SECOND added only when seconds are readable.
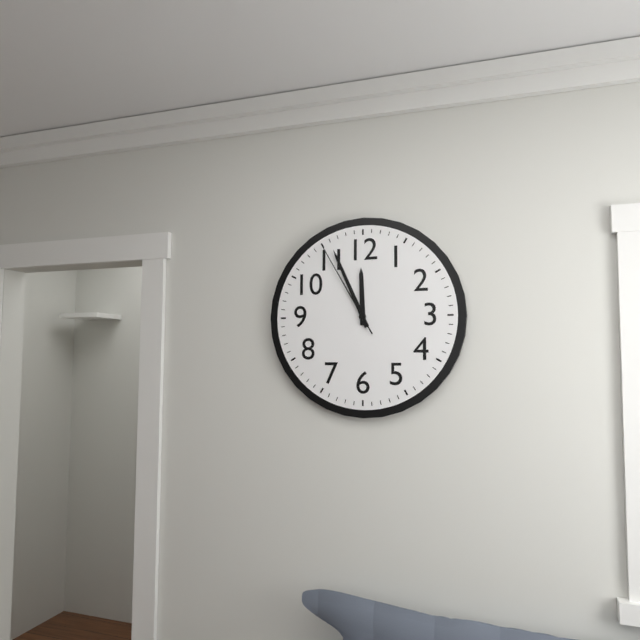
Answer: h=11 m=56 s=55
